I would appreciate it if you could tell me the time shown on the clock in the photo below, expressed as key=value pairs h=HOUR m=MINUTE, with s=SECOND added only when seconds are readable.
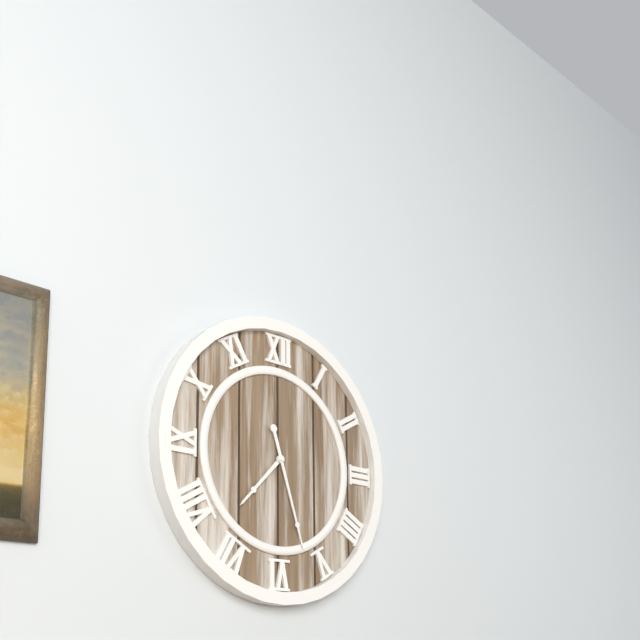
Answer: h=7 m=27
